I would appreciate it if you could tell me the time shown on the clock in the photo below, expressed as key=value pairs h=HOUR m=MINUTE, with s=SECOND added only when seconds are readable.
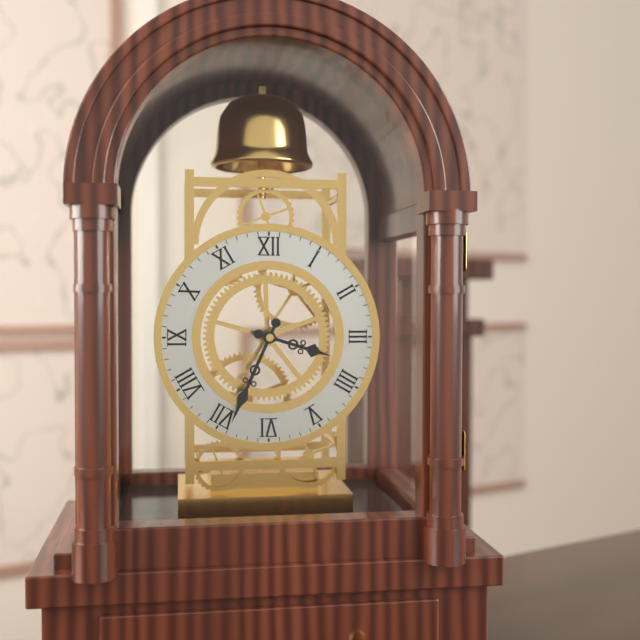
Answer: h=3 m=34
